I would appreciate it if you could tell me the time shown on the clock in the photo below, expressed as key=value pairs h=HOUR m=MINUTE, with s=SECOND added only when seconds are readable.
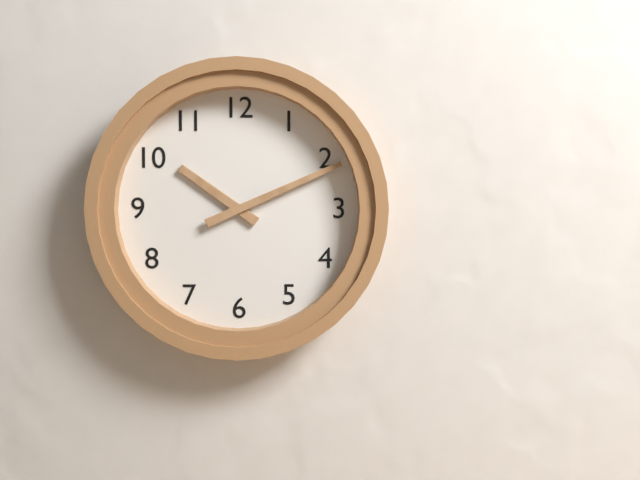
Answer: h=10 m=11
